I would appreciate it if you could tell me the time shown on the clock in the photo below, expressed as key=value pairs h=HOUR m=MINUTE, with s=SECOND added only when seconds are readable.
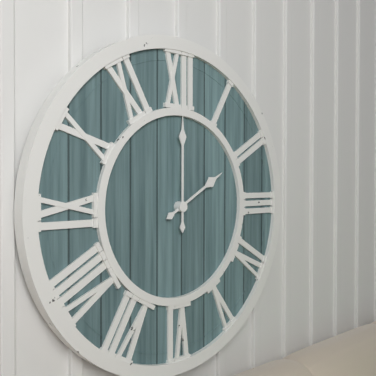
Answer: h=2 m=0
